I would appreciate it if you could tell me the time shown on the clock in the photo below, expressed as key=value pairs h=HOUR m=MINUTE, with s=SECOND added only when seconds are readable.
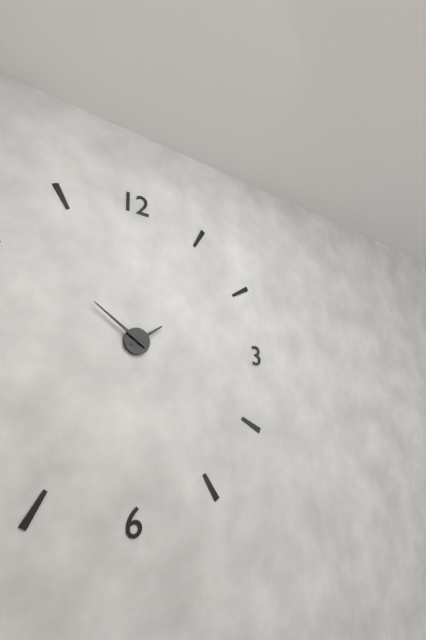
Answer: h=1 m=51
